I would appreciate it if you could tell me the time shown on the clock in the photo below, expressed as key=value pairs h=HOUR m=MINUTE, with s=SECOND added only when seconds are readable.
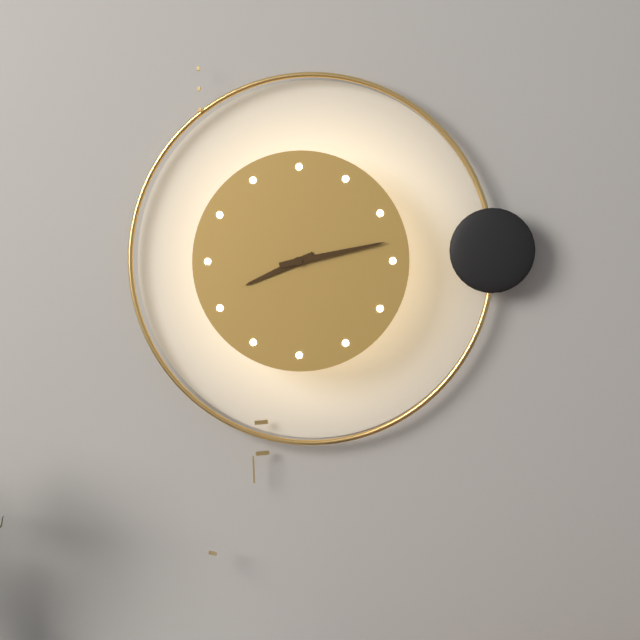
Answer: h=8 m=13
